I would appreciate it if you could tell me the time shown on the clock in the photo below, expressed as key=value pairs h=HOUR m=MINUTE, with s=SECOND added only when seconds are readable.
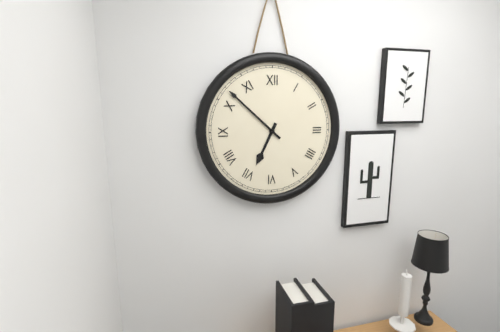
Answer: h=6 m=52
